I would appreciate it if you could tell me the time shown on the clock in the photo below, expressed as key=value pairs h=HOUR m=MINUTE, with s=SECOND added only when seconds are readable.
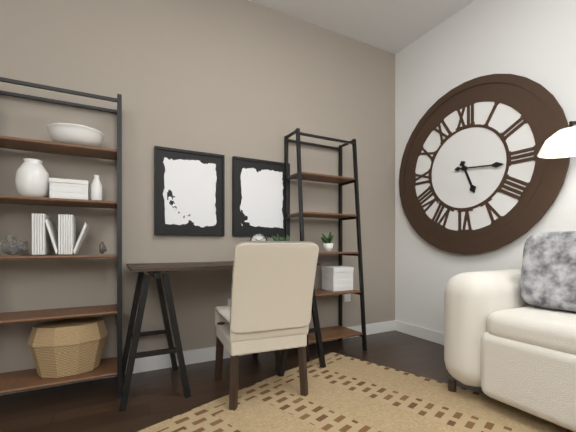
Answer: h=5 m=16
